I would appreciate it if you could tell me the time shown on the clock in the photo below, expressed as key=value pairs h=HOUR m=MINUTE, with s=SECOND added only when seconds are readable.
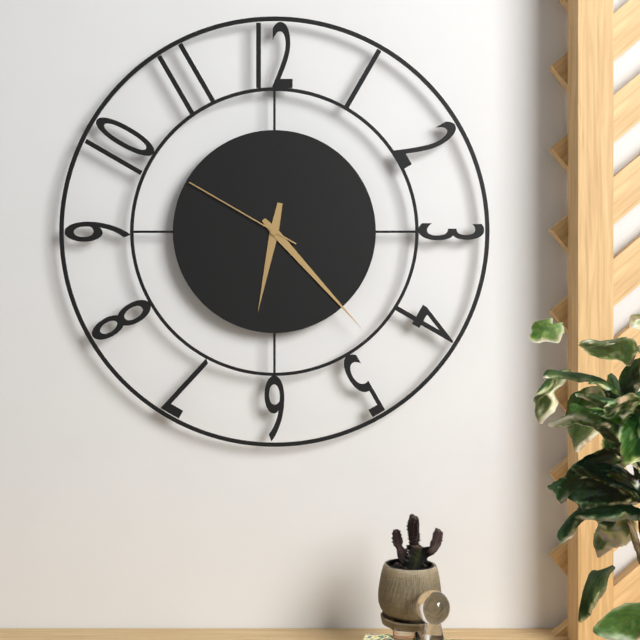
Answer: h=6 m=23 s=50
